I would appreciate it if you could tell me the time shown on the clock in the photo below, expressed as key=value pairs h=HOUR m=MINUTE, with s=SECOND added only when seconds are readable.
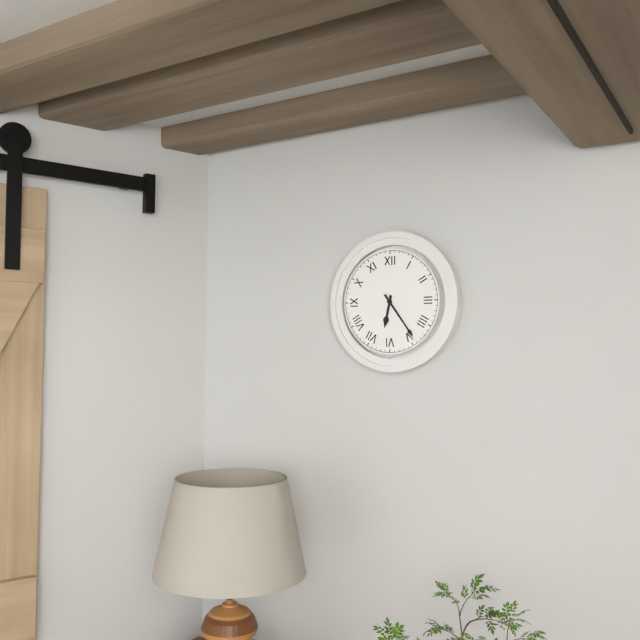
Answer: h=6 m=24
